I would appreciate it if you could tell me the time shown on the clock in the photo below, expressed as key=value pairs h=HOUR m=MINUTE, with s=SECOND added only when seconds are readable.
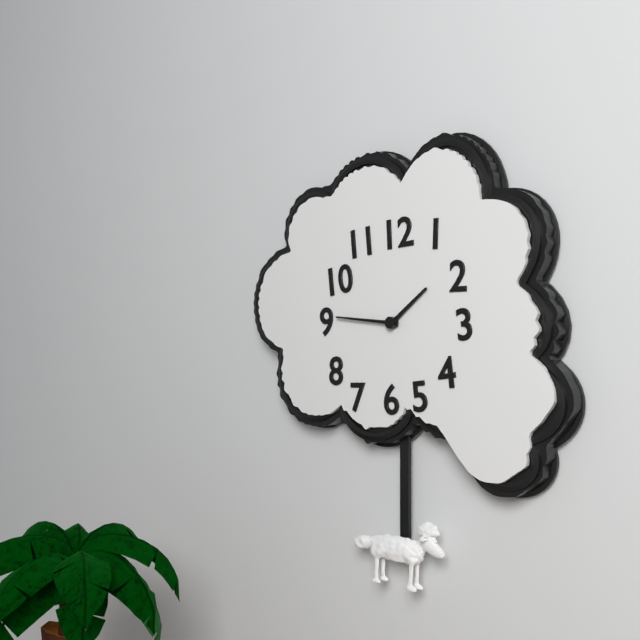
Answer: h=1 m=46
